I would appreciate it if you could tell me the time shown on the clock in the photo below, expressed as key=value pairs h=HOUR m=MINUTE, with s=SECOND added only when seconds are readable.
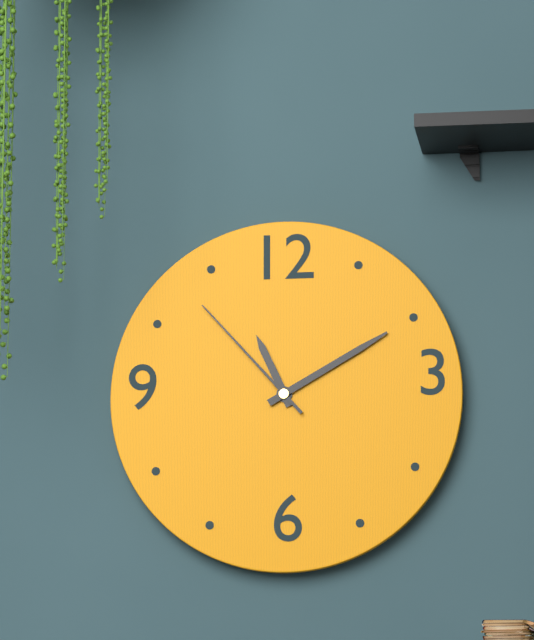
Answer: h=11 m=10 s=53
